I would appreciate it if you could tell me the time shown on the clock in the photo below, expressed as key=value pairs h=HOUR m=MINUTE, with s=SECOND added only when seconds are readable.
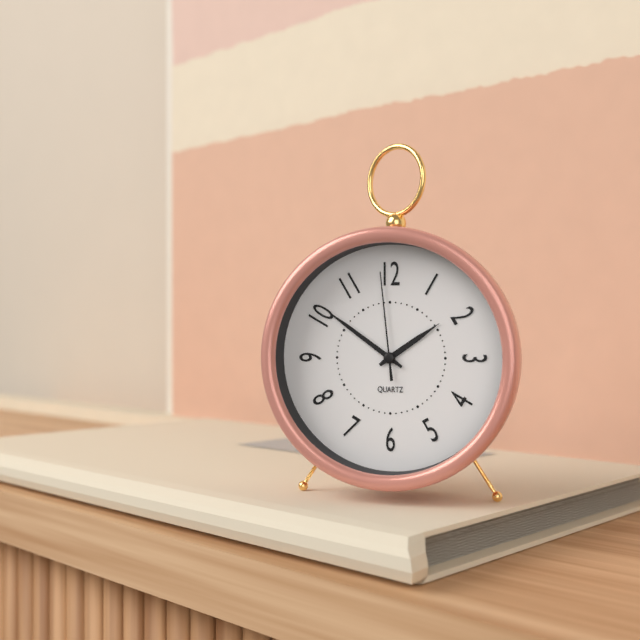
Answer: h=1 m=51 s=59
